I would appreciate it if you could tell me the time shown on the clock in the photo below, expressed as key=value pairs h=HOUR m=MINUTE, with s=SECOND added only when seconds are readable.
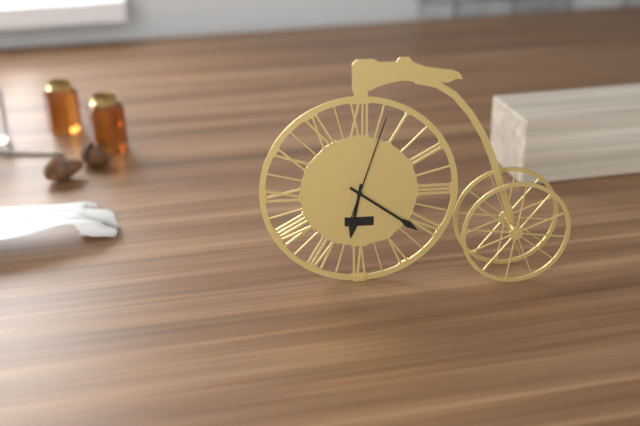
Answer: h=6 m=21 s=3
